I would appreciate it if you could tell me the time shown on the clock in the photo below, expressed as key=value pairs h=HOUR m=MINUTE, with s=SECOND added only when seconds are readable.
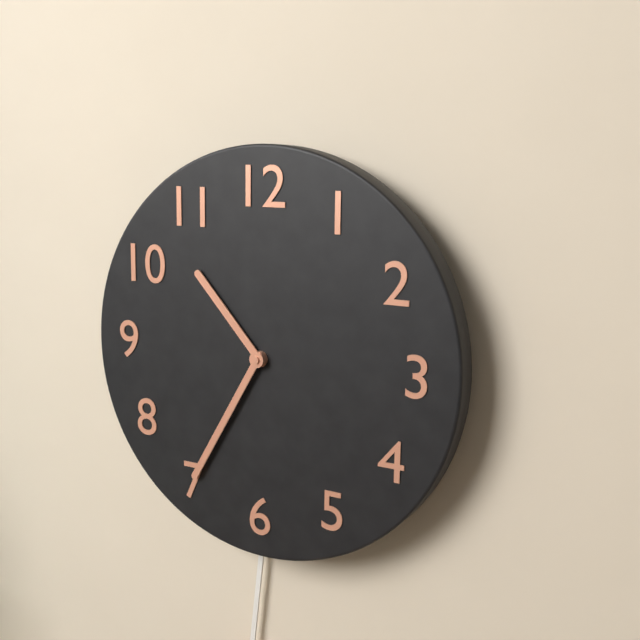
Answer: h=10 m=35
